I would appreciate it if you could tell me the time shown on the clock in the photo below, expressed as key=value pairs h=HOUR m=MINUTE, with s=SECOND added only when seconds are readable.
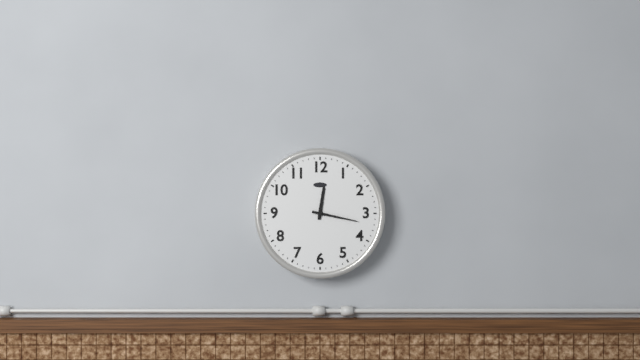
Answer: h=12 m=17
